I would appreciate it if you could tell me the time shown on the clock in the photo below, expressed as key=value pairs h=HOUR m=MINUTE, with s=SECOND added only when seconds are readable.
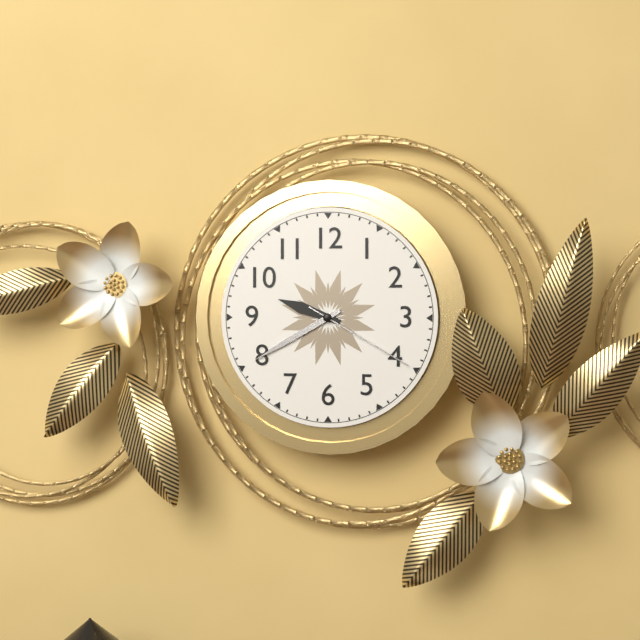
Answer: h=9 m=40 s=20
